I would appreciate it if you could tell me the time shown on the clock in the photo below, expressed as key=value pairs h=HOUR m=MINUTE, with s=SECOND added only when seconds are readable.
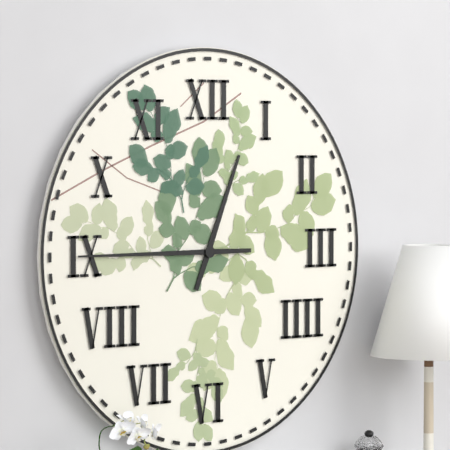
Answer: h=12 m=45
